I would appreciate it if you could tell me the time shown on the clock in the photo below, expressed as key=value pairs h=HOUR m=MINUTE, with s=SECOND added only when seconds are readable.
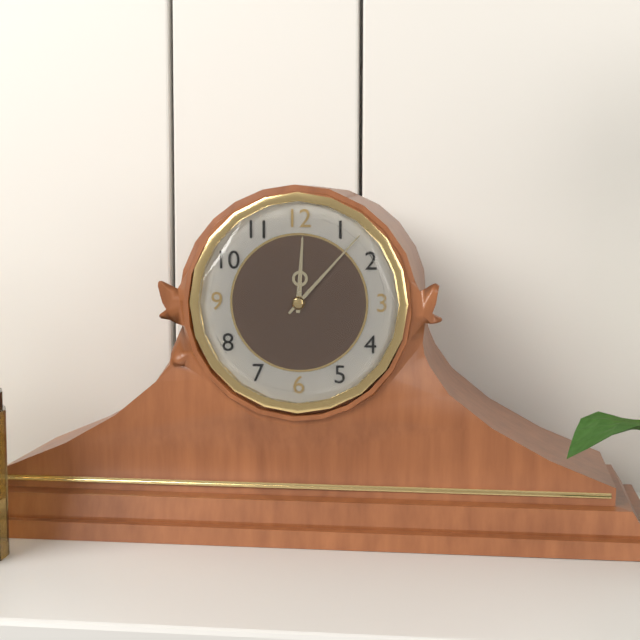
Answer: h=12 m=7
